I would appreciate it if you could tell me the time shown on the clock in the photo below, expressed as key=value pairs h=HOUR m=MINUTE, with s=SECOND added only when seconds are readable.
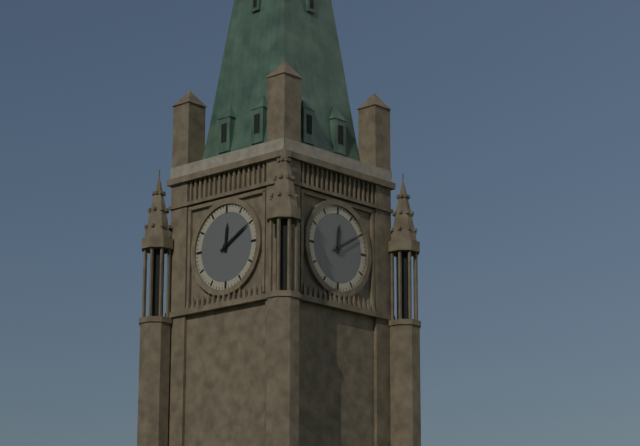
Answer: h=12 m=10
